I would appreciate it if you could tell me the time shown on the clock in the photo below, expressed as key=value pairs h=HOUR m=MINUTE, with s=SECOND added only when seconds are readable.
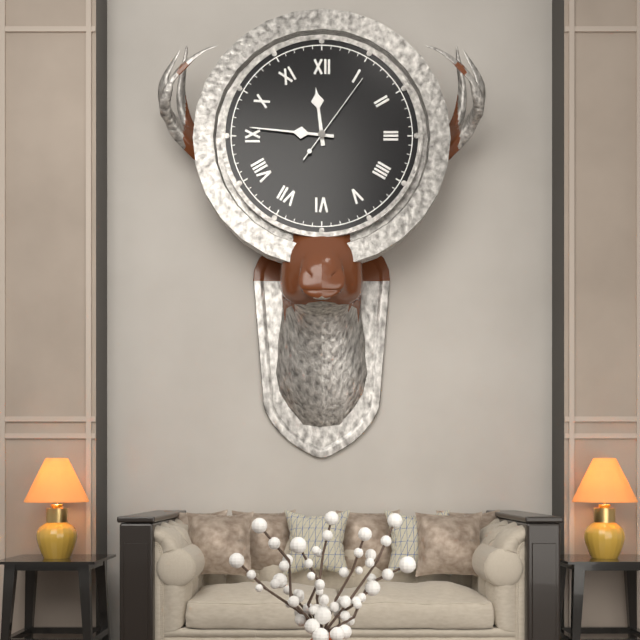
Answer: h=11 m=46 s=6
